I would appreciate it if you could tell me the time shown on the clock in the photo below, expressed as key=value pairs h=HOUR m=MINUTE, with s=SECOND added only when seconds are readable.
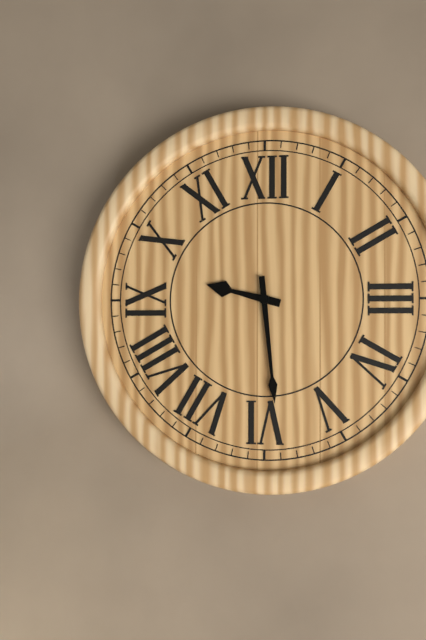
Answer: h=9 m=29
